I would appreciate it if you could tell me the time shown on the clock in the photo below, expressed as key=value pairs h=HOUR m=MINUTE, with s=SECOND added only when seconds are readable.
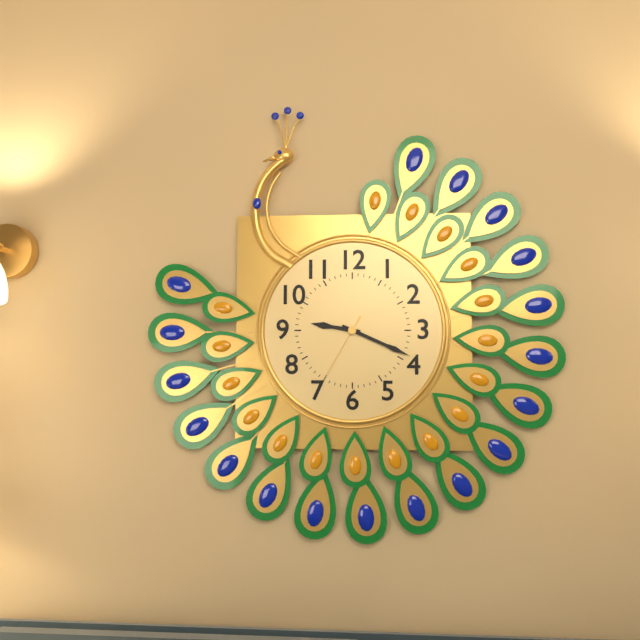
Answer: h=9 m=19 s=35
